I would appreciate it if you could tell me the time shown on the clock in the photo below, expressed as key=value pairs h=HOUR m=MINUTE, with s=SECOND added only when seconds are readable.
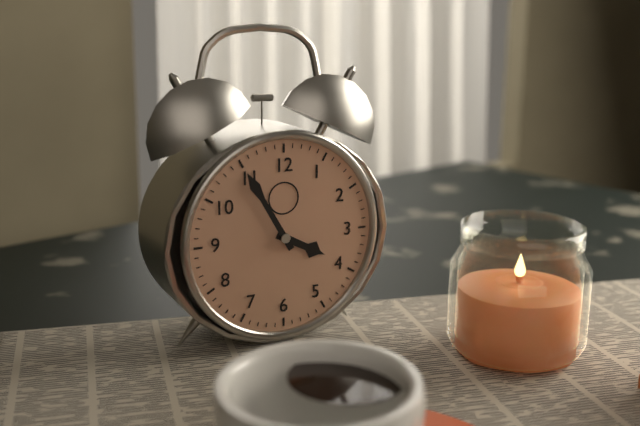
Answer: h=3 m=55
